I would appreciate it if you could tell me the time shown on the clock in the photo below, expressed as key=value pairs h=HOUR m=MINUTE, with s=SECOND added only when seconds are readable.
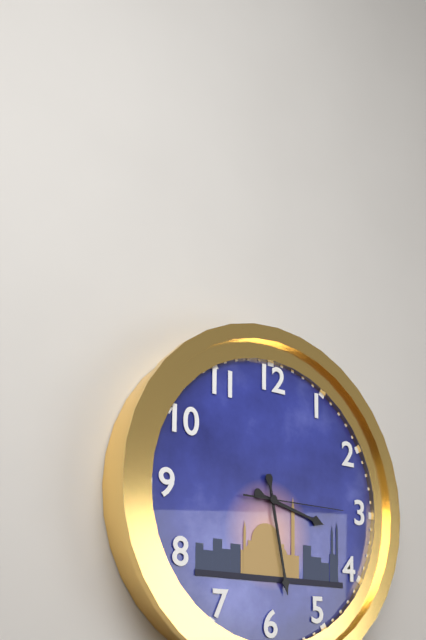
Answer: h=3 m=28 s=15
